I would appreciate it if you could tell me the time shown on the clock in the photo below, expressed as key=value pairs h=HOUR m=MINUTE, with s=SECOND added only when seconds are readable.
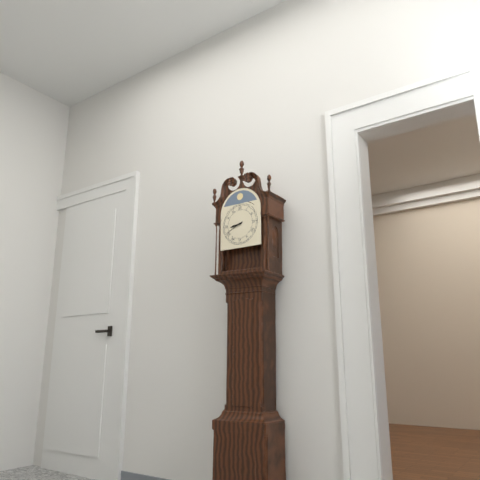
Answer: h=8 m=41
